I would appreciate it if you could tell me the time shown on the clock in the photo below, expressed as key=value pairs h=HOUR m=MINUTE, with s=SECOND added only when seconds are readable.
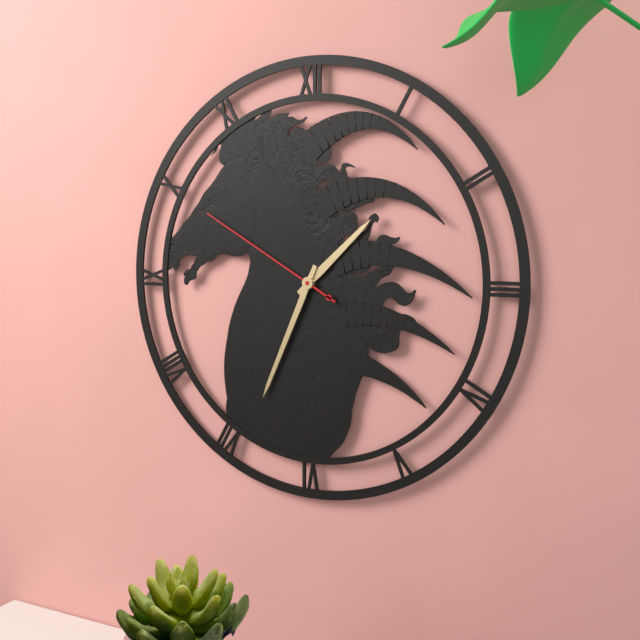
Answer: h=1 m=34 s=50
